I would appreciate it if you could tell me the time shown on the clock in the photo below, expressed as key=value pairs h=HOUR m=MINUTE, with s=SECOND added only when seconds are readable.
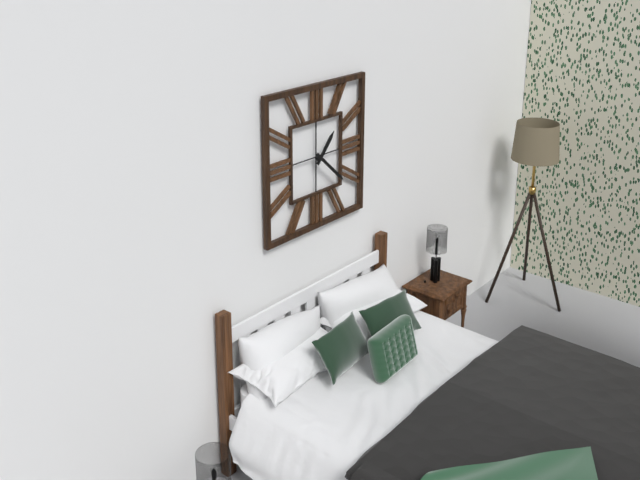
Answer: h=1 m=22
